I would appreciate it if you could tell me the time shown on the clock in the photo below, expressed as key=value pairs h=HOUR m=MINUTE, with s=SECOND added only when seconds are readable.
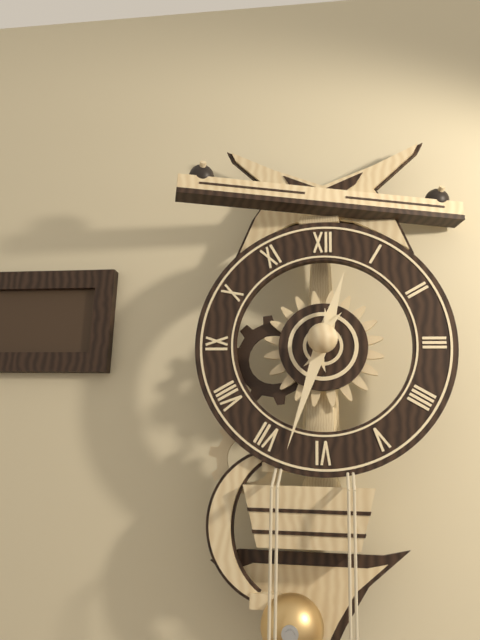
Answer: h=12 m=33
